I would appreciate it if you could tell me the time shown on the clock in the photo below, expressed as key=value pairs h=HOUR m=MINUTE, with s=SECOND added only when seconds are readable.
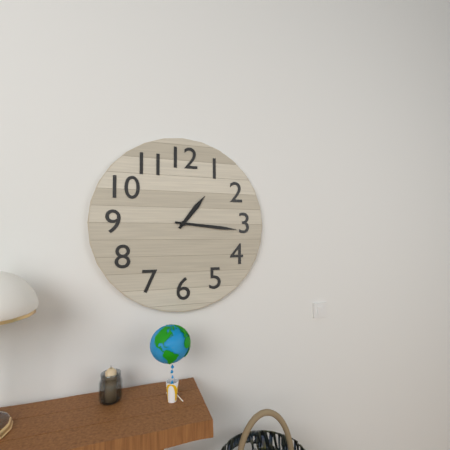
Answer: h=1 m=16
